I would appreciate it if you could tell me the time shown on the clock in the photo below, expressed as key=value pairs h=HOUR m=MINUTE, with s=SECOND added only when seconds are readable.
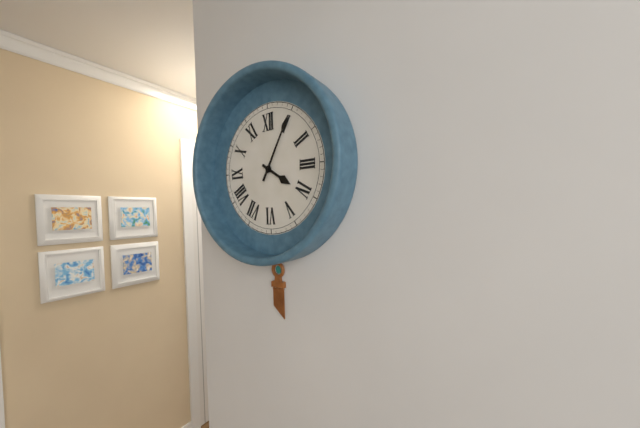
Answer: h=4 m=5
